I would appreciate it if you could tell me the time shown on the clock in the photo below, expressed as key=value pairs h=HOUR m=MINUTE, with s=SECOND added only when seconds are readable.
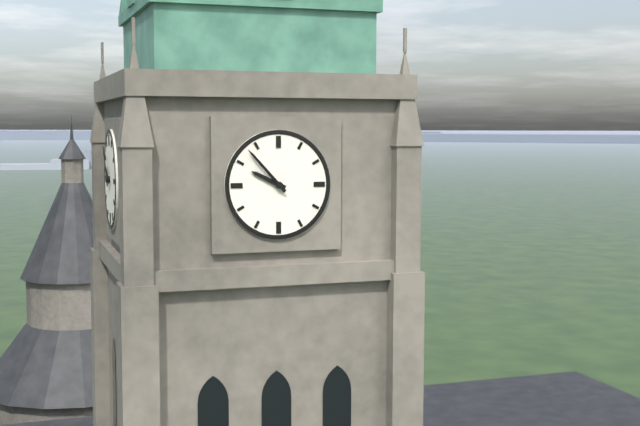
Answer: h=9 m=53
